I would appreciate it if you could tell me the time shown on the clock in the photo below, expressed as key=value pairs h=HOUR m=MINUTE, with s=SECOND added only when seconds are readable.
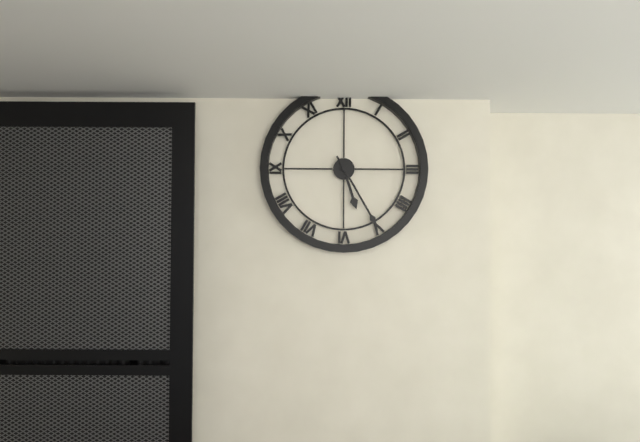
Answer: h=5 m=25
